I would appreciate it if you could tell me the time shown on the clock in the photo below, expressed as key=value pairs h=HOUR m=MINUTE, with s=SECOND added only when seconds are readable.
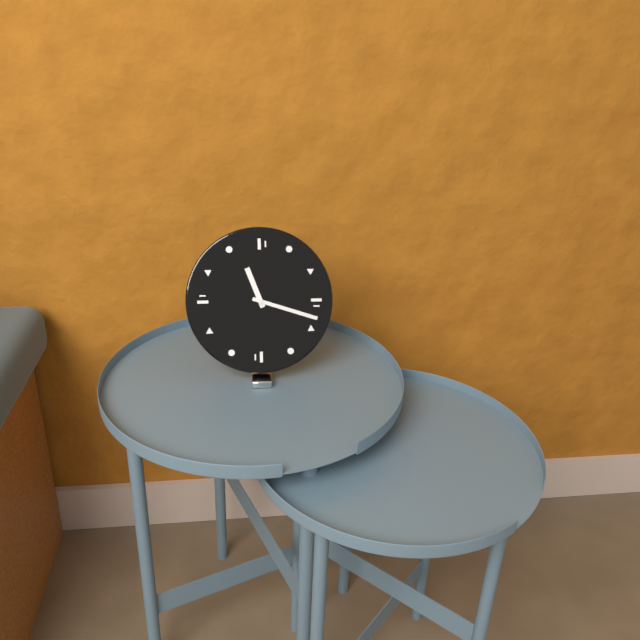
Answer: h=11 m=18
